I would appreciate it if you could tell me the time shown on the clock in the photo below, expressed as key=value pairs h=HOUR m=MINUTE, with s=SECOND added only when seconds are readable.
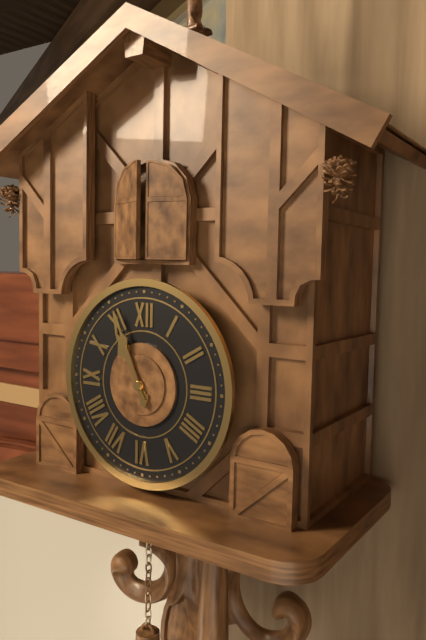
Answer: h=10 m=56
